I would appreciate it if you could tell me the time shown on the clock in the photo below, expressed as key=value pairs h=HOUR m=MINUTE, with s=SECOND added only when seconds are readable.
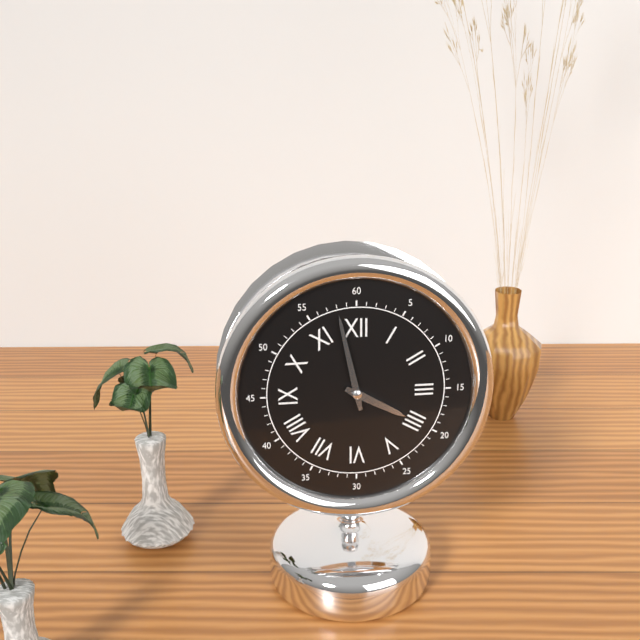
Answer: h=3 m=58
